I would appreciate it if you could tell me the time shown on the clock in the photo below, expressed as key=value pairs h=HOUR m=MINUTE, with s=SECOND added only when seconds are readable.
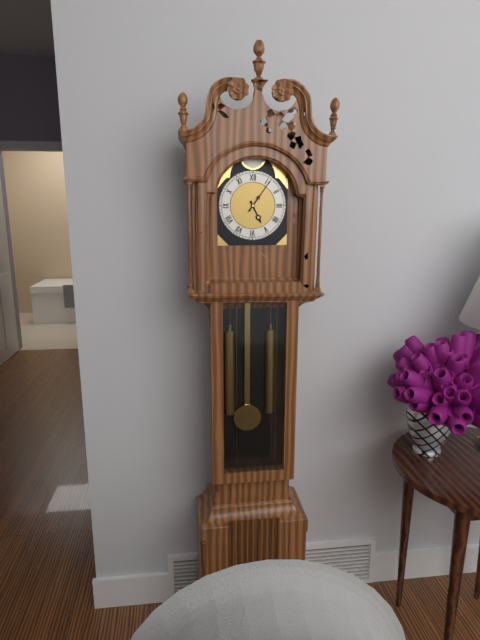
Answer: h=5 m=6
